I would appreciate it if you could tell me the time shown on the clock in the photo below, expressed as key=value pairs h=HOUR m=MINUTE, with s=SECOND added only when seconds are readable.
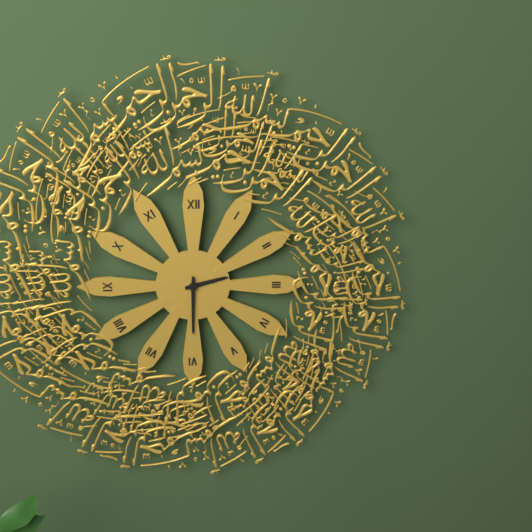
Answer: h=2 m=30
